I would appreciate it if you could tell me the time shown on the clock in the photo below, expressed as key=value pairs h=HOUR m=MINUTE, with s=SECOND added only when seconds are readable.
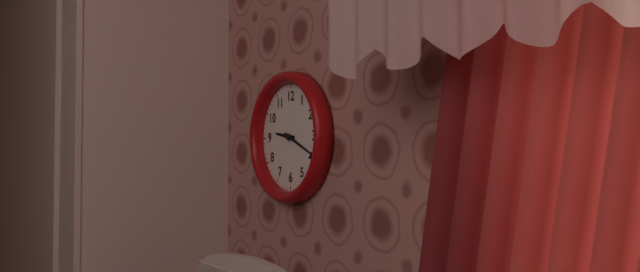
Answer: h=9 m=19
